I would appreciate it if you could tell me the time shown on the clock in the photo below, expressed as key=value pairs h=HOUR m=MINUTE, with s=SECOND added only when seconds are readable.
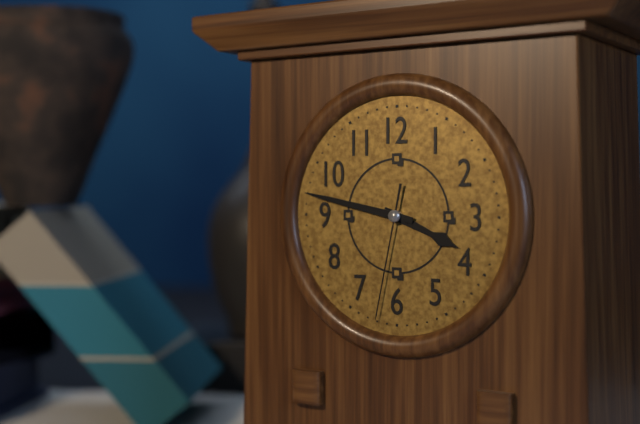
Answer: h=3 m=47 s=32
